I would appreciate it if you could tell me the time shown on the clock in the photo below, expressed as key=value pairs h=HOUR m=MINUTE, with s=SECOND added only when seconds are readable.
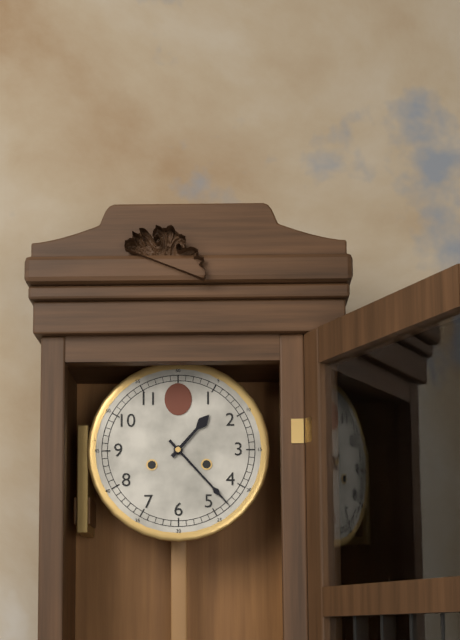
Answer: h=1 m=23
